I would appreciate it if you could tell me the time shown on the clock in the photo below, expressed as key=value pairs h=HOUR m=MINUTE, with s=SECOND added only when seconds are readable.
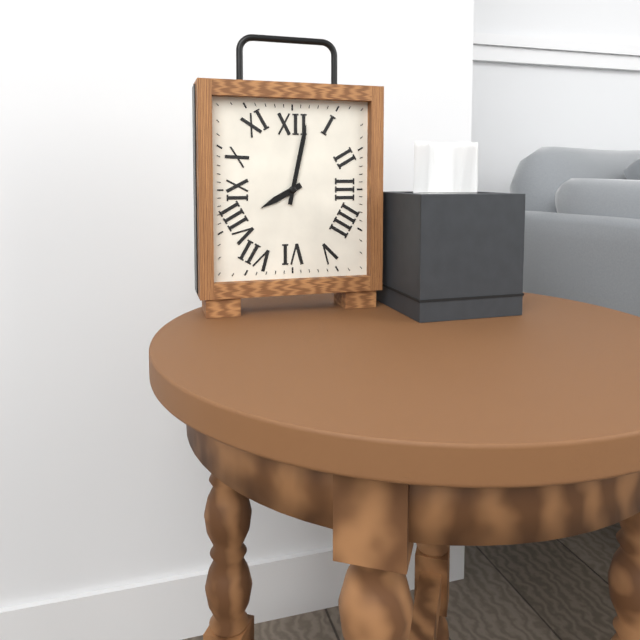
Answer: h=8 m=2
